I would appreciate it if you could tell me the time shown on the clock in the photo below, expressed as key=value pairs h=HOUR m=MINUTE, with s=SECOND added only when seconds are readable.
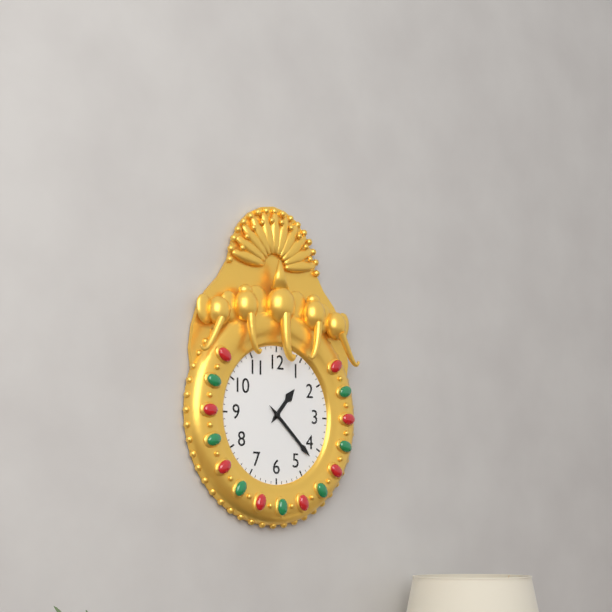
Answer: h=1 m=22
